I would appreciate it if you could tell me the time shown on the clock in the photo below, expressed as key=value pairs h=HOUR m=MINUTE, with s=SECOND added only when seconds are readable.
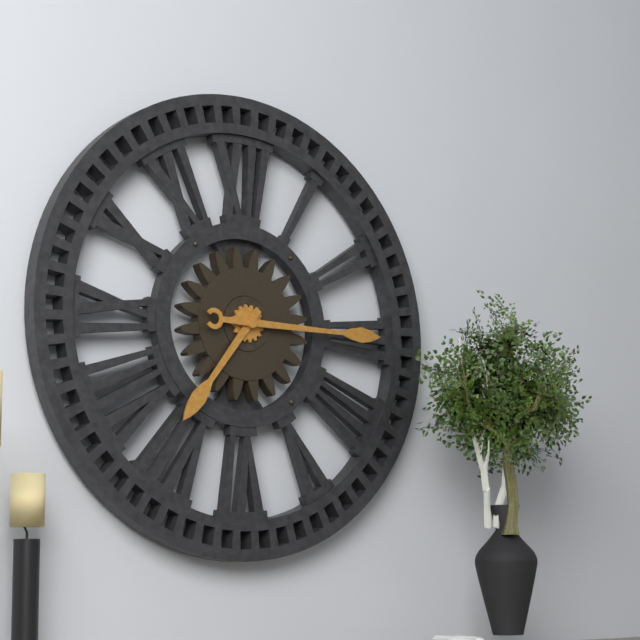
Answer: h=7 m=15
